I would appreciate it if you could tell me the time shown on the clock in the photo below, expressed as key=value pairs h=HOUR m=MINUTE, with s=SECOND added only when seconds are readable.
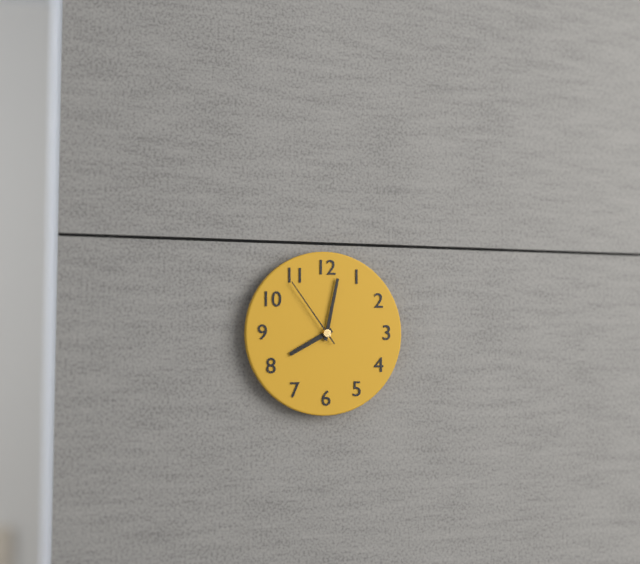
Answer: h=8 m=2 s=54
